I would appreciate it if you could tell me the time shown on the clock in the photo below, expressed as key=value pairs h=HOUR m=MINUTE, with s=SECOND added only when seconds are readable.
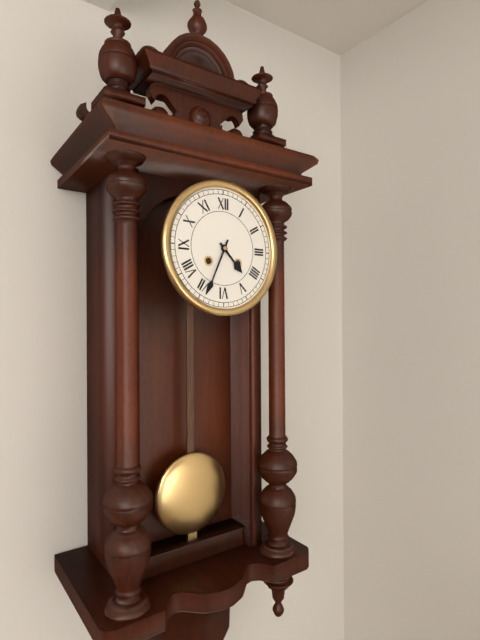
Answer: h=4 m=34
